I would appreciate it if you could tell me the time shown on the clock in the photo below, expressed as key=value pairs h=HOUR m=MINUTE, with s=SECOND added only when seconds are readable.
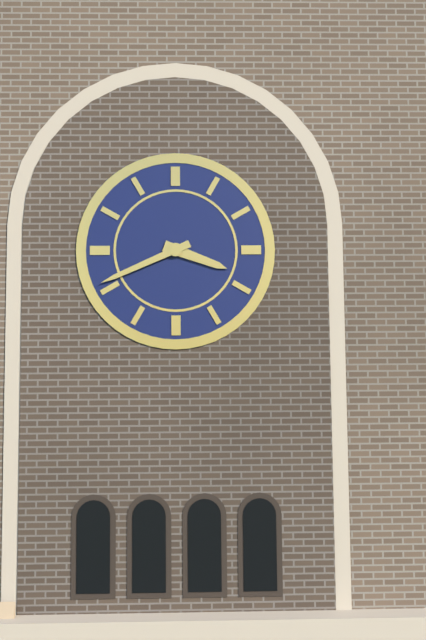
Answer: h=3 m=41
